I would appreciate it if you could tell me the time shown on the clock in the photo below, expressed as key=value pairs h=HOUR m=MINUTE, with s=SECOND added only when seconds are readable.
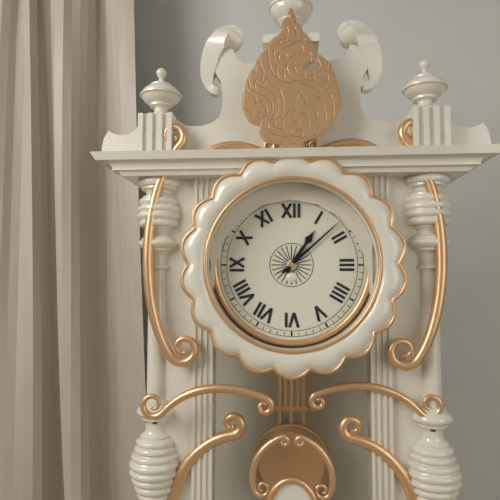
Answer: h=1 m=8
